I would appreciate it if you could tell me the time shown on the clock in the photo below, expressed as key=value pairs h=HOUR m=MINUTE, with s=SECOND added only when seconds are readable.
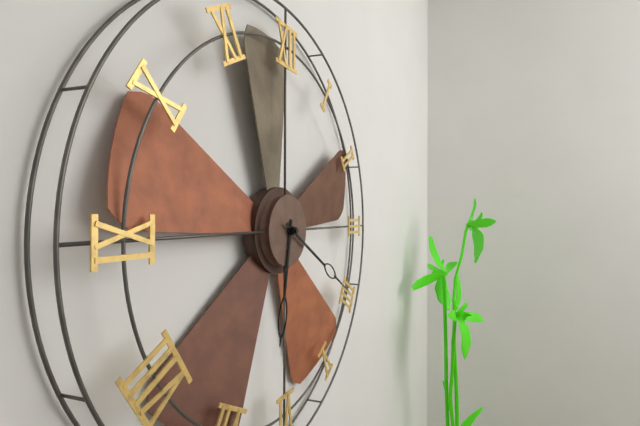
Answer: h=6 m=20
